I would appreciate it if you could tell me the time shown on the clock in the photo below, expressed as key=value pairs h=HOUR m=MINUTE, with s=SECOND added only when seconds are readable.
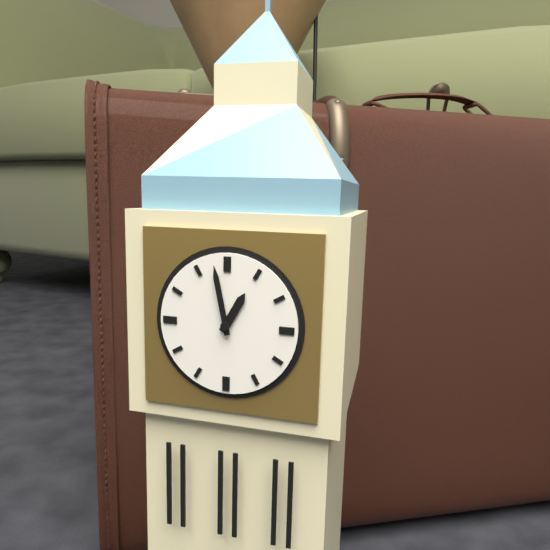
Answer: h=12 m=58
